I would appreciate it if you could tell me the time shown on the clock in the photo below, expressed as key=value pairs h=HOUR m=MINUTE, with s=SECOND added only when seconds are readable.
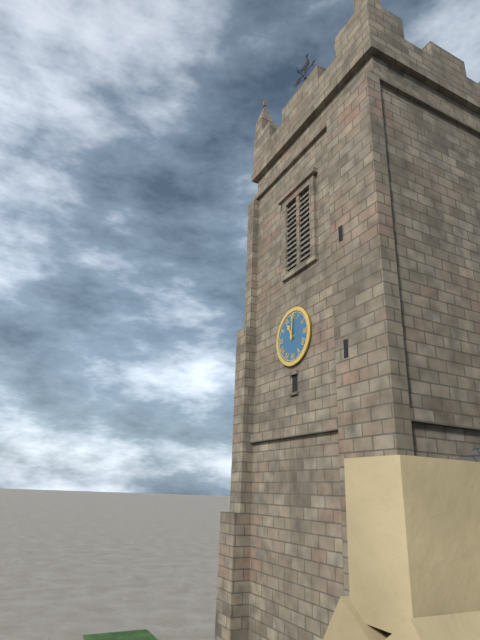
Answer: h=11 m=1
